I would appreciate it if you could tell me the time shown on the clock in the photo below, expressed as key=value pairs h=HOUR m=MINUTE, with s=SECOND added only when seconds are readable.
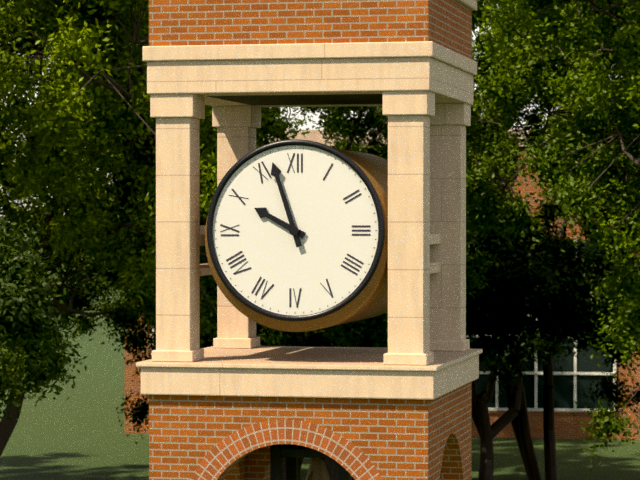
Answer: h=9 m=57
